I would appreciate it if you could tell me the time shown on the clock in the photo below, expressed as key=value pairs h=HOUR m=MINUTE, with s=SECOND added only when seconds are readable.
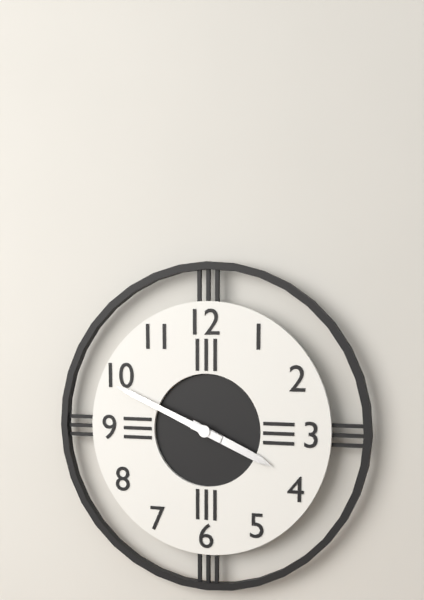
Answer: h=3 m=49
